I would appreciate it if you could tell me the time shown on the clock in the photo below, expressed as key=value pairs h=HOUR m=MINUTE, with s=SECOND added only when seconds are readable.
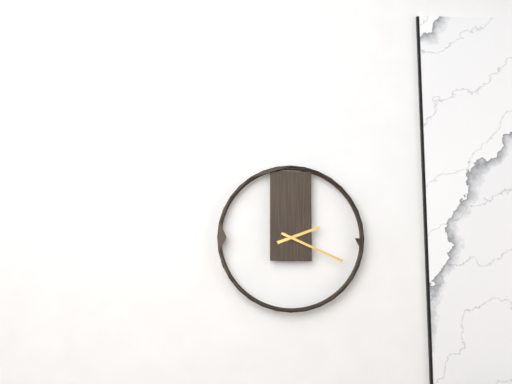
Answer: h=2 m=19
